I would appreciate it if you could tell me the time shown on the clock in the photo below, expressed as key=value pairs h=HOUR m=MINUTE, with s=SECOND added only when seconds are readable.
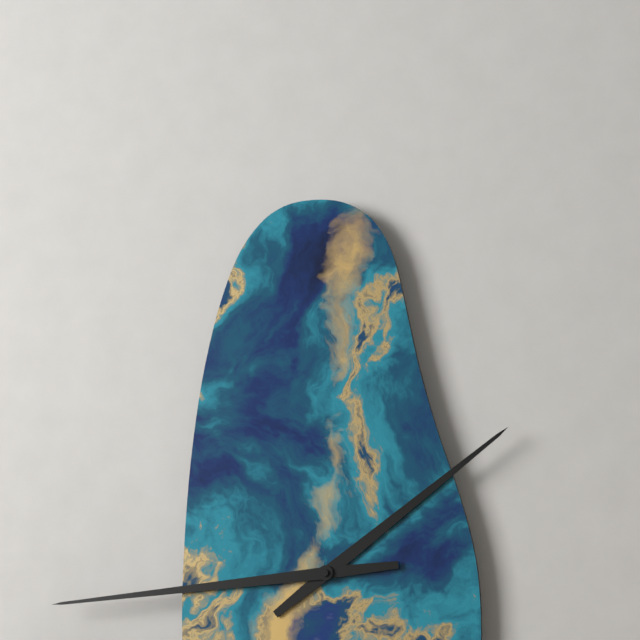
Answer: h=1 m=44
